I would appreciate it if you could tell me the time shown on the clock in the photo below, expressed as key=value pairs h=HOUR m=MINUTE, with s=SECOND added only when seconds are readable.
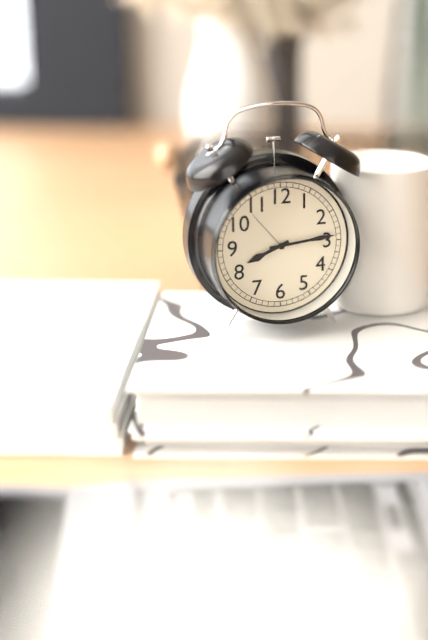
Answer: h=8 m=14
